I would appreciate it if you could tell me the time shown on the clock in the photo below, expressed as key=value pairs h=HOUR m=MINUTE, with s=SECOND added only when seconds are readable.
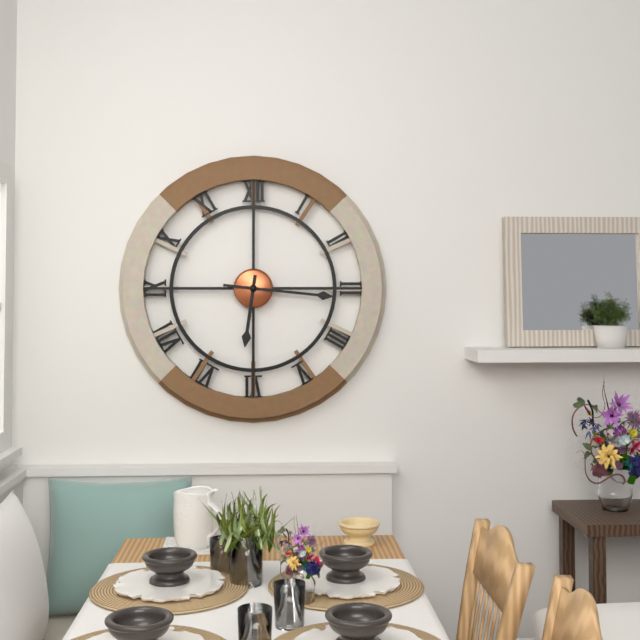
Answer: h=6 m=16
